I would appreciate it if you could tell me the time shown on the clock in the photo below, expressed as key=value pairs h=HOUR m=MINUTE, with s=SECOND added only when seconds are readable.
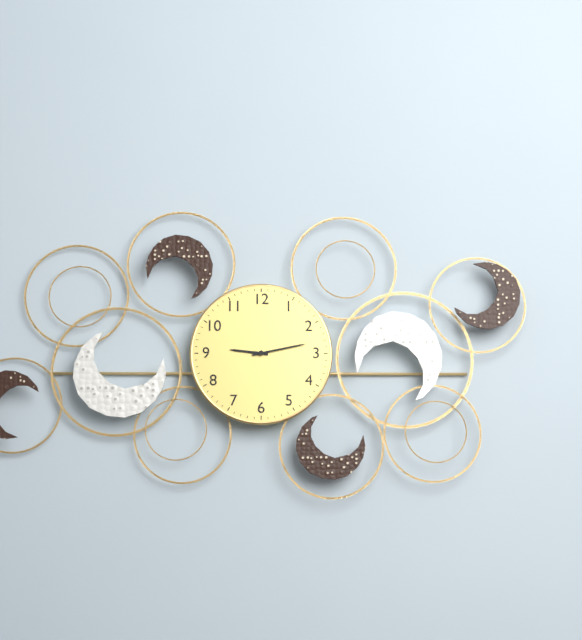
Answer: h=9 m=13
